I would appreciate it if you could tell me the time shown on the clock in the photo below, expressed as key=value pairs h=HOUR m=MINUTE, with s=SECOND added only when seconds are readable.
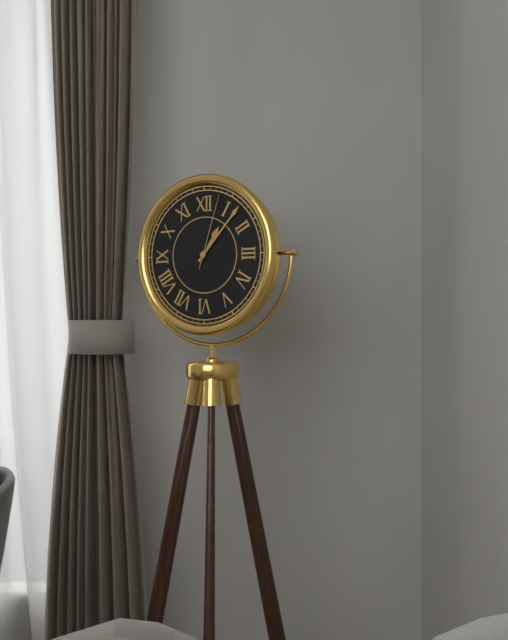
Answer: h=1 m=7 s=3
